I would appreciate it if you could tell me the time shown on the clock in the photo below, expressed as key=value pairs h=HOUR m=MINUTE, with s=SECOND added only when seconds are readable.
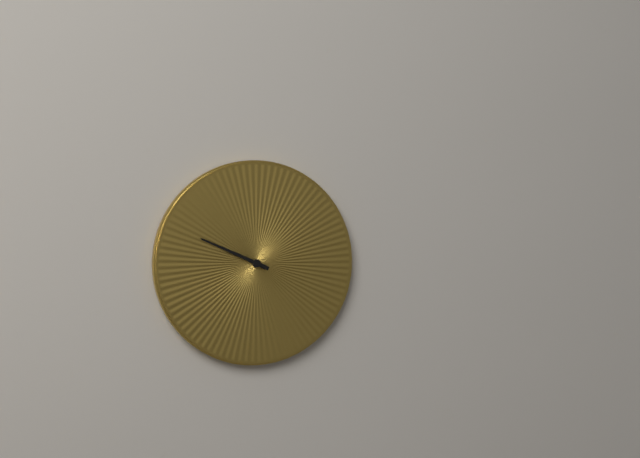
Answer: h=9 m=49
